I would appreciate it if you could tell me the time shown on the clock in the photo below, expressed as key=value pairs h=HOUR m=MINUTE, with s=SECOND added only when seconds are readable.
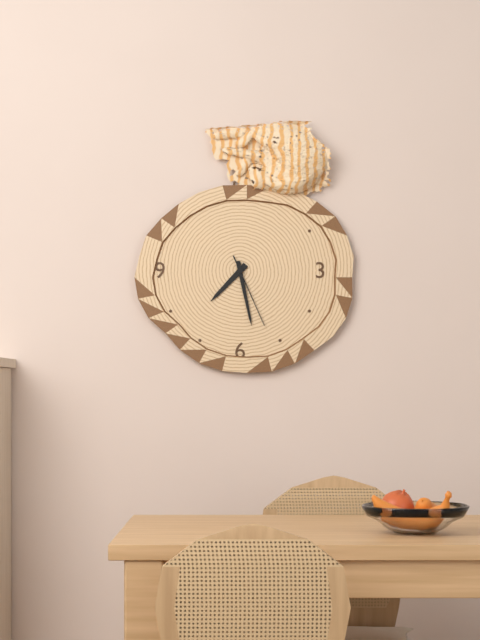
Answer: h=7 m=28 s=26
